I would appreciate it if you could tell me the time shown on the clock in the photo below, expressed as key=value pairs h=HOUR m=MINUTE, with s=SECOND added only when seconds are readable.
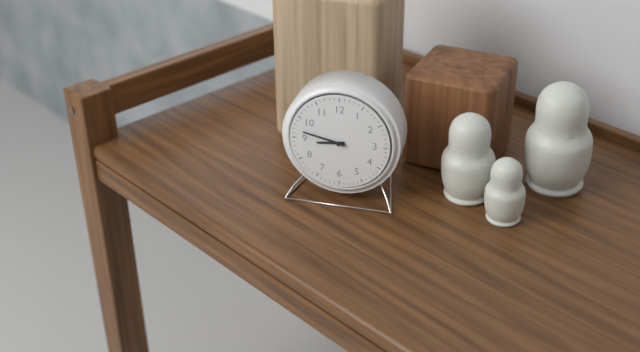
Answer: h=8 m=47
